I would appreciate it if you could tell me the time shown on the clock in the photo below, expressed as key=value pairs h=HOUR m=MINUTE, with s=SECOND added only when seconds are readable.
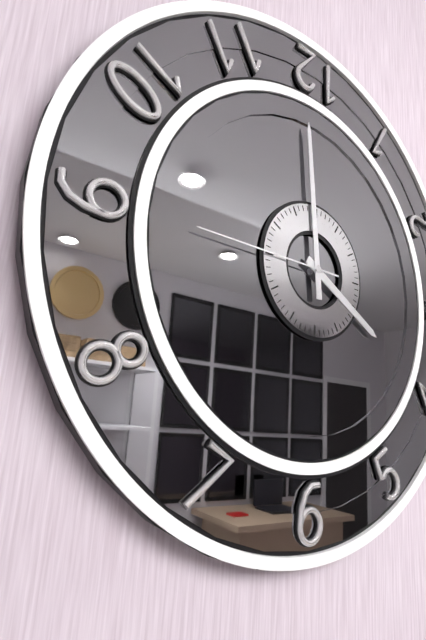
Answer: h=3 m=59 s=45
